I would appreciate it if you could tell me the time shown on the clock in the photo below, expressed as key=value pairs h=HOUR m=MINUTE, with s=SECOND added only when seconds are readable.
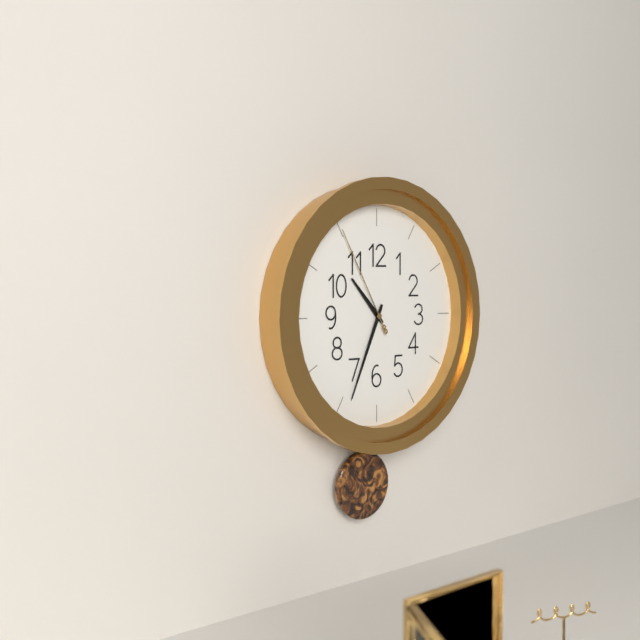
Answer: h=10 m=34 s=55
